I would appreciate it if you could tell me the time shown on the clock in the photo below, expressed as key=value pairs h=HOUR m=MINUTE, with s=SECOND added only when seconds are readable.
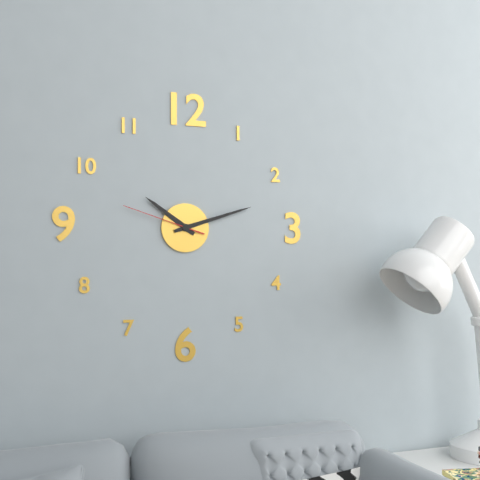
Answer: h=10 m=12 s=48
